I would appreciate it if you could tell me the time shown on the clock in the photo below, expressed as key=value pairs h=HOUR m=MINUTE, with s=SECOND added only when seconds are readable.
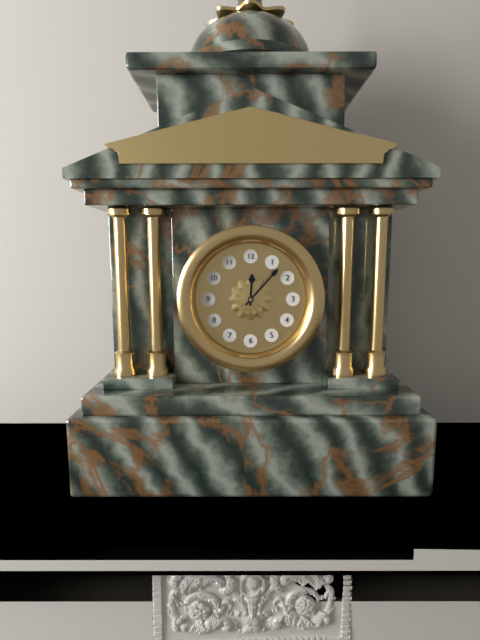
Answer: h=12 m=7
